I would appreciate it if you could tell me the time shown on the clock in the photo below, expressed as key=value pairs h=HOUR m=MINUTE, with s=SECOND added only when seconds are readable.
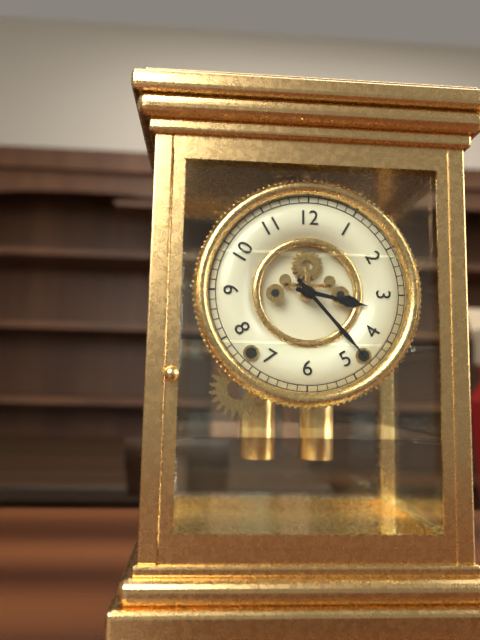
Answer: h=3 m=23
